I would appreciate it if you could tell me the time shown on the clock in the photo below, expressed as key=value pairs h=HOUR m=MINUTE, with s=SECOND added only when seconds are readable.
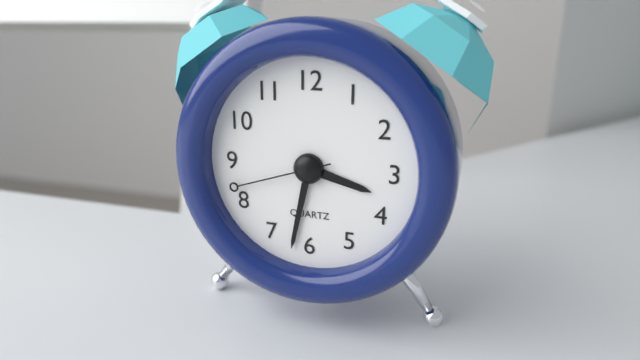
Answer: h=3 m=32 s=42
